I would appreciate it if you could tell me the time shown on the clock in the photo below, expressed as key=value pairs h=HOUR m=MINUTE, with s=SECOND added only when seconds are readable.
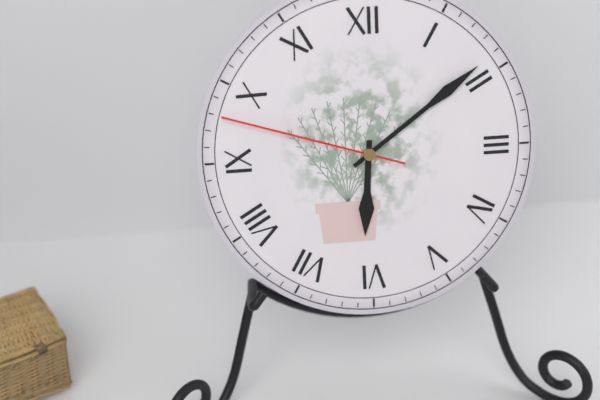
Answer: h=6 m=9 s=48
